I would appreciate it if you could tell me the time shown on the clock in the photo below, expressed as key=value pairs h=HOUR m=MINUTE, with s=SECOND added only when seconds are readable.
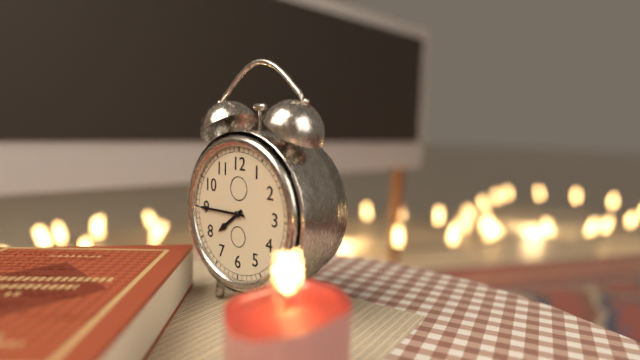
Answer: h=7 m=45
